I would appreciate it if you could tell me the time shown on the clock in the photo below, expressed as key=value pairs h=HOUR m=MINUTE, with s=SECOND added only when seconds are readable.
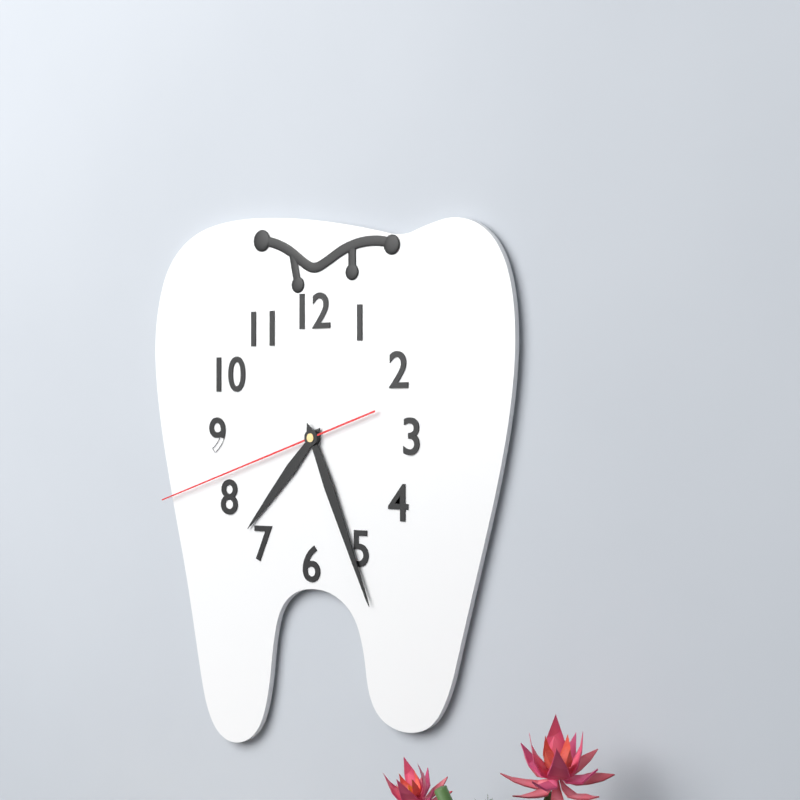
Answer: h=7 m=26 s=42
